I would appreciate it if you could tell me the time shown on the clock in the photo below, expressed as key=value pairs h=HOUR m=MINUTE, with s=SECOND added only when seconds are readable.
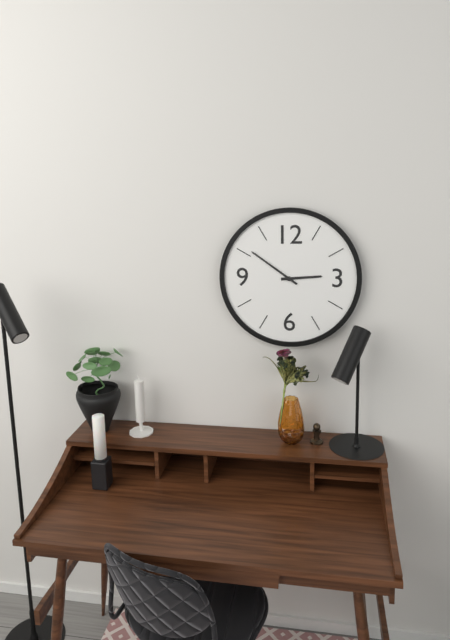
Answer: h=2 m=51
